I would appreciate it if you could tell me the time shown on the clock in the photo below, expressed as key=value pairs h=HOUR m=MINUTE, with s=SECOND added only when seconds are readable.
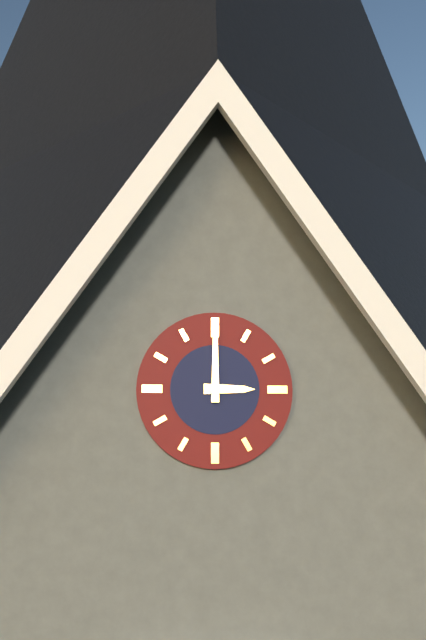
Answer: h=3 m=0
